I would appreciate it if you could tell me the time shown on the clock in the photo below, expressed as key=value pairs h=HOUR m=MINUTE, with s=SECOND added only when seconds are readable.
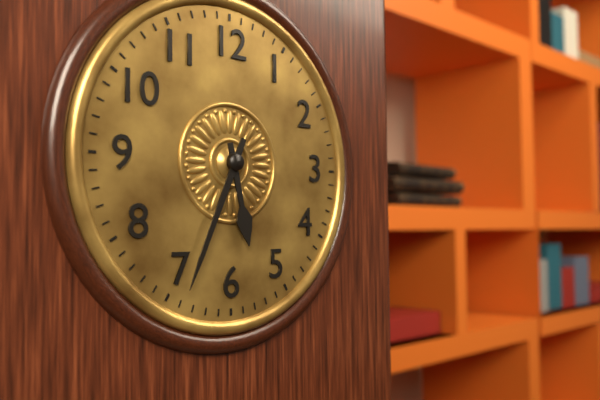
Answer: h=5 m=34
